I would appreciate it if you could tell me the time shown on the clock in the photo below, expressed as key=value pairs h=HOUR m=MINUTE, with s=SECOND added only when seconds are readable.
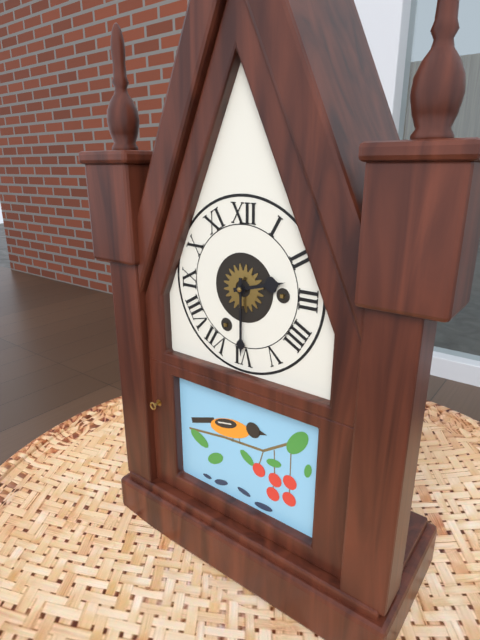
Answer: h=2 m=30
